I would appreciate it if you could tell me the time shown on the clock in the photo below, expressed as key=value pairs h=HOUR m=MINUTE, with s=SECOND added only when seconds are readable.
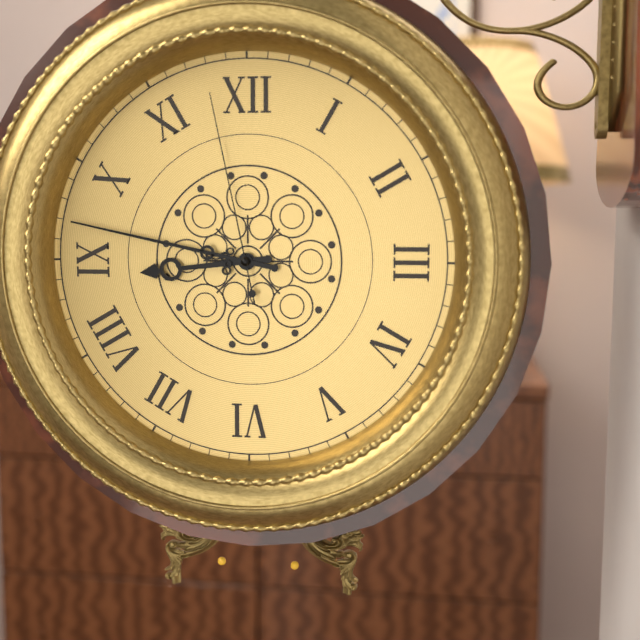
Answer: h=8 m=47 s=58
